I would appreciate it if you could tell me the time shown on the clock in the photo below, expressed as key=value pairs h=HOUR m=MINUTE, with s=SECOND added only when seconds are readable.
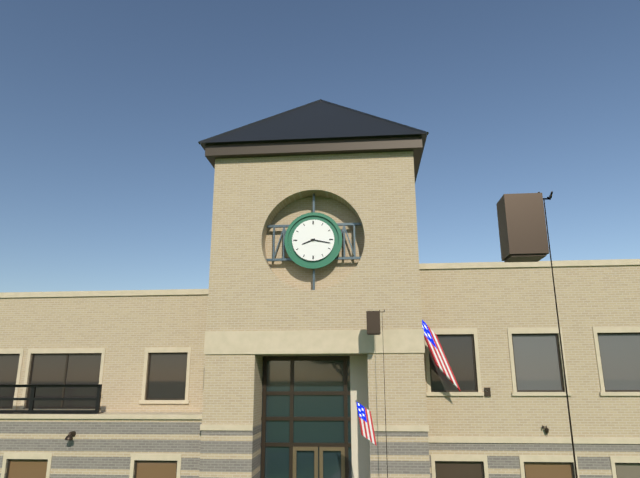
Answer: h=8 m=17
